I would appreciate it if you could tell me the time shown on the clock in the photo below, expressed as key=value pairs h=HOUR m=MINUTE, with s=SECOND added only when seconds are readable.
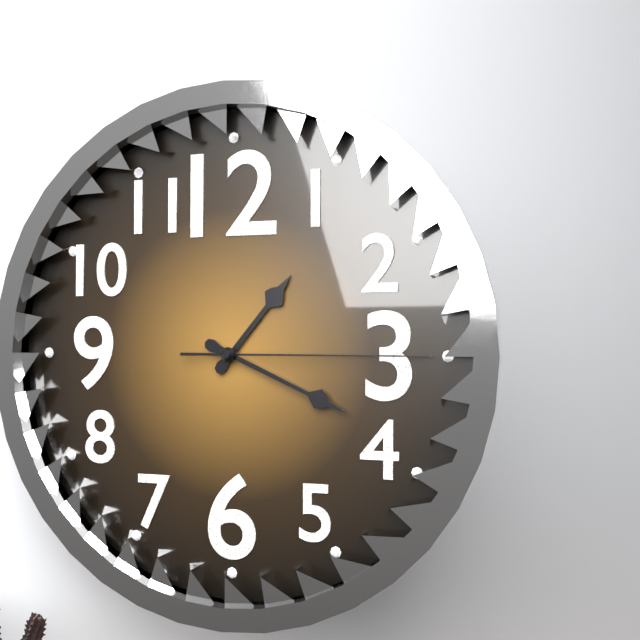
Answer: h=1 m=19 s=15
